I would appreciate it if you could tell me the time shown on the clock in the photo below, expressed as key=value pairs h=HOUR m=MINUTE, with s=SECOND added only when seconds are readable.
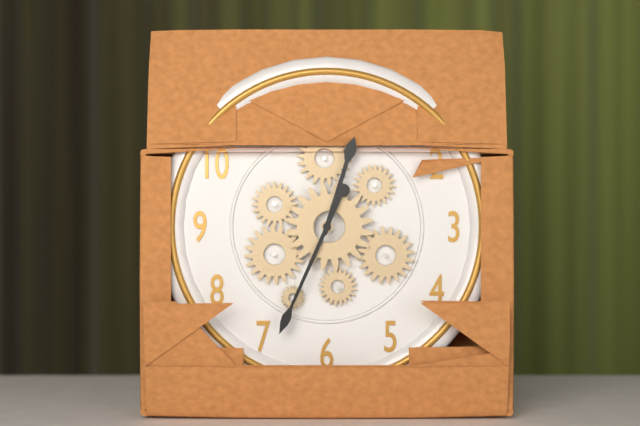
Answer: h=12 m=34
